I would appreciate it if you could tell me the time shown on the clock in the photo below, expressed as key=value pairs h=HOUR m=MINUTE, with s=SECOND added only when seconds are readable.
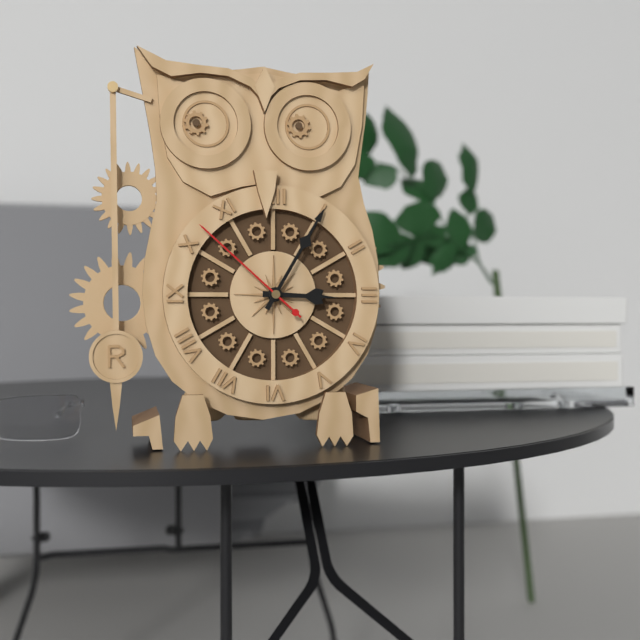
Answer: h=3 m=5 s=52
